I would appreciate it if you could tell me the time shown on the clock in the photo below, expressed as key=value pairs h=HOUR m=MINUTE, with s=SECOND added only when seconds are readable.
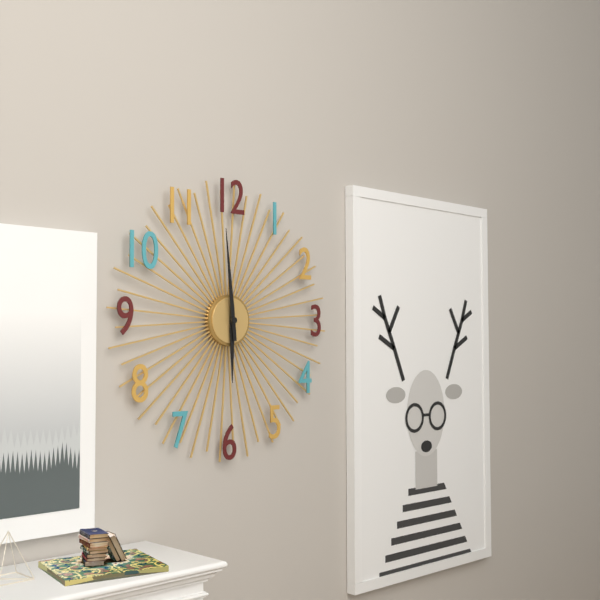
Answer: h=5 m=59
